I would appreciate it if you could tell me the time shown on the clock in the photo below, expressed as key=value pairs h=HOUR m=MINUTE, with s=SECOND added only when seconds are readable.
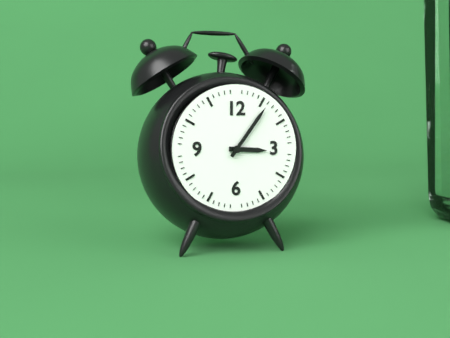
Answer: h=3 m=6
